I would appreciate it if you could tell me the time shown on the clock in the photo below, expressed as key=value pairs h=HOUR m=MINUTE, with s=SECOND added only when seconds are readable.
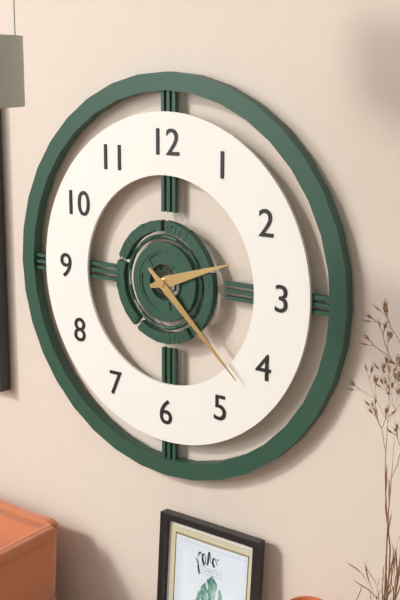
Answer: h=2 m=22
